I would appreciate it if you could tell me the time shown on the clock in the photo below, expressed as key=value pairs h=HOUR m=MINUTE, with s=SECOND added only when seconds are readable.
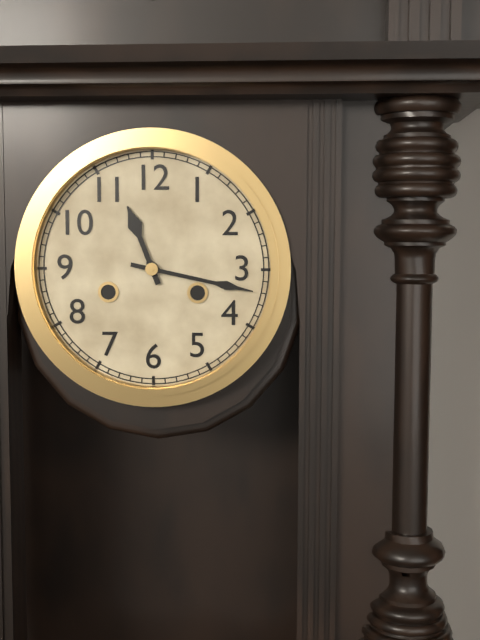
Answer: h=11 m=17
